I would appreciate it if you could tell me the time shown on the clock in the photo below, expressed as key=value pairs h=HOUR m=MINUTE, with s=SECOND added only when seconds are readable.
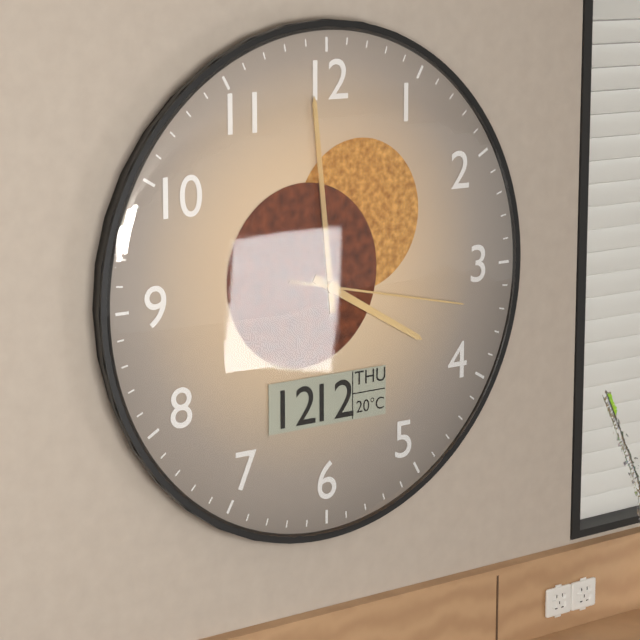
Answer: h=3 m=59 s=17
